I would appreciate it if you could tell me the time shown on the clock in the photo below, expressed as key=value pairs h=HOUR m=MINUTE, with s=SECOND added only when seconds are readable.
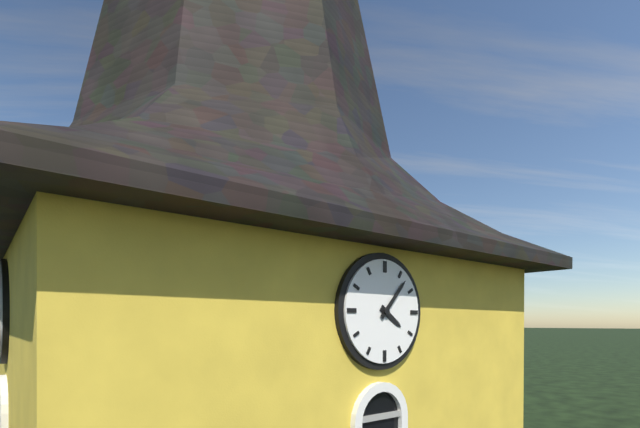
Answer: h=4 m=7
